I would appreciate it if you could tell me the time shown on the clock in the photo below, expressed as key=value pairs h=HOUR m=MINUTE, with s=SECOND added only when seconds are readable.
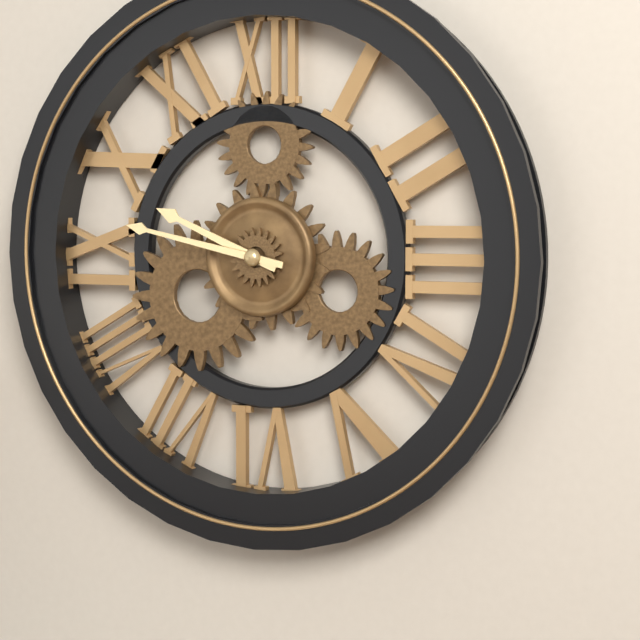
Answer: h=9 m=47
